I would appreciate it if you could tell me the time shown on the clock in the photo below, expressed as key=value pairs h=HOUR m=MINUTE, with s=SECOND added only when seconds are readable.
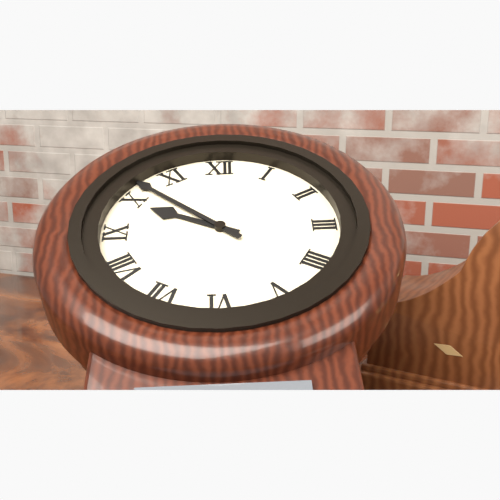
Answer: h=9 m=52
